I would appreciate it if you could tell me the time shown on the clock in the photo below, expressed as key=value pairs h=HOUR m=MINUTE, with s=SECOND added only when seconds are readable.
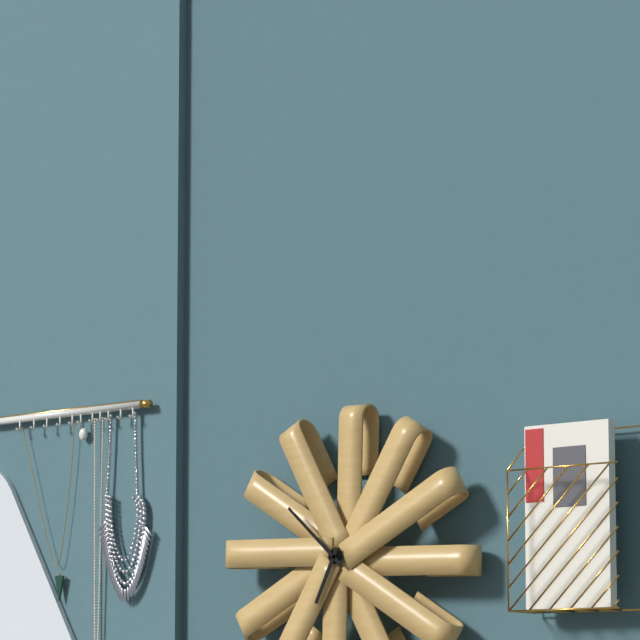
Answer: h=6 m=52
